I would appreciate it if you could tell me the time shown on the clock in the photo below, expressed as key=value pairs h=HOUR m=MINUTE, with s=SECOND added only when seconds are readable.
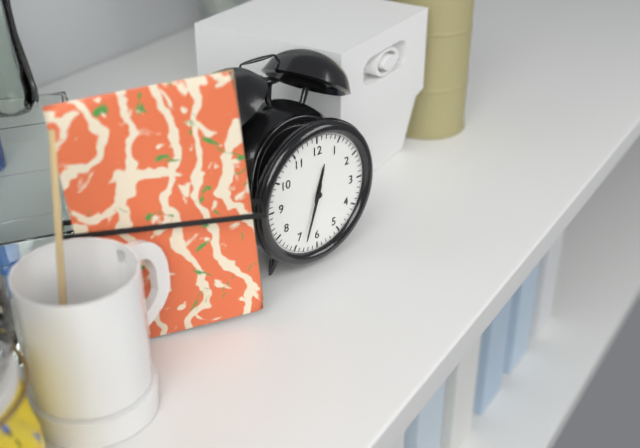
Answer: h=12 m=33
